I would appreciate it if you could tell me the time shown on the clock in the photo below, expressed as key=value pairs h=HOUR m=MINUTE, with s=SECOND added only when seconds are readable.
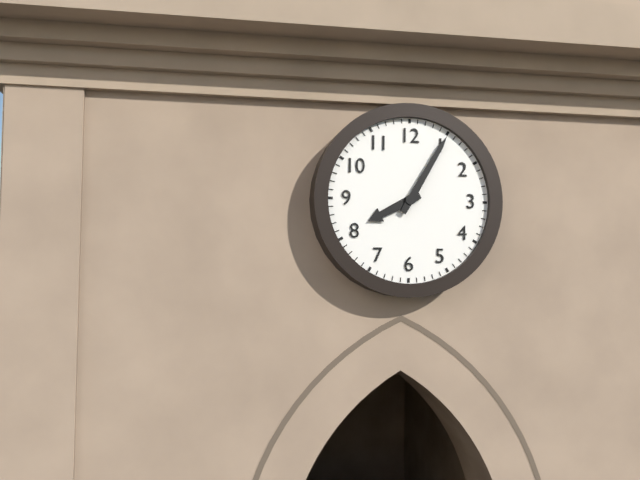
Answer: h=8 m=5
